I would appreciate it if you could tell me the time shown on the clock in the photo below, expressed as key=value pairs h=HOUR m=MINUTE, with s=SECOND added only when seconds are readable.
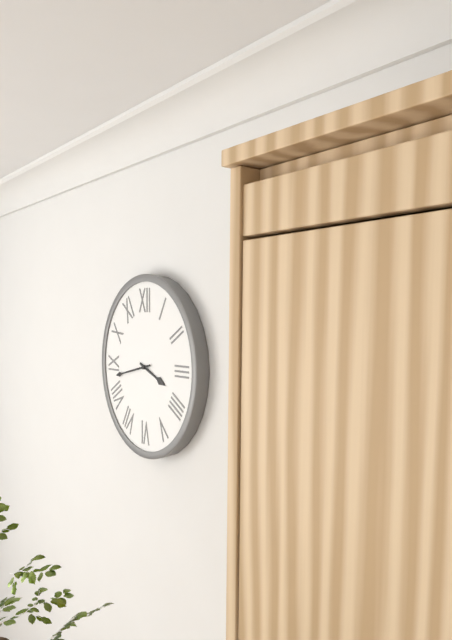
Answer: h=3 m=43
